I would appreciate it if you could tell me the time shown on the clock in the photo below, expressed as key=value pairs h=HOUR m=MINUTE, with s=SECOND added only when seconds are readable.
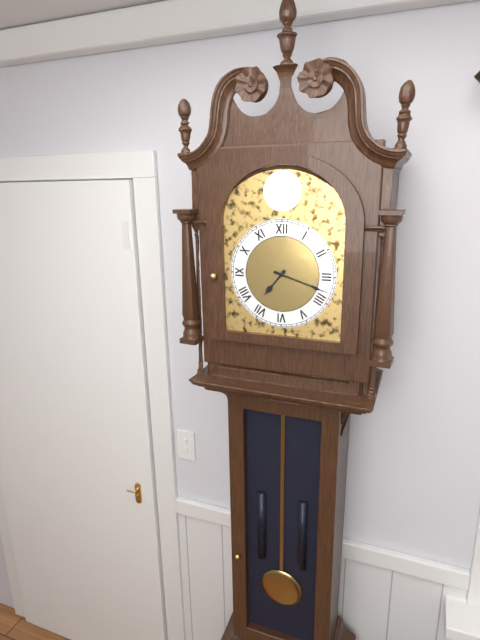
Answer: h=7 m=18
